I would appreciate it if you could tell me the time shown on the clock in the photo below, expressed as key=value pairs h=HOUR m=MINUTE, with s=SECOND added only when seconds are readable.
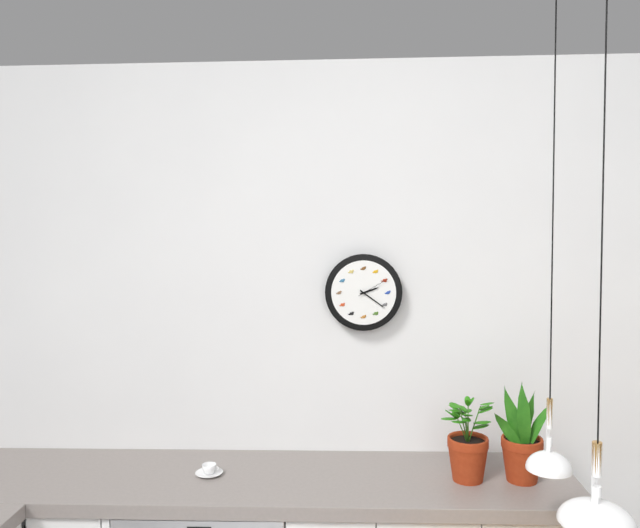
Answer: h=2 m=21
